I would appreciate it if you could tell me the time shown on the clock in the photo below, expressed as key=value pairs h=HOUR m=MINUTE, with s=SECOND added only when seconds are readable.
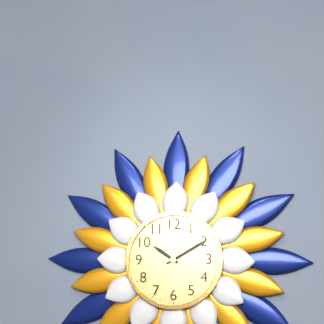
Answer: h=10 m=10
